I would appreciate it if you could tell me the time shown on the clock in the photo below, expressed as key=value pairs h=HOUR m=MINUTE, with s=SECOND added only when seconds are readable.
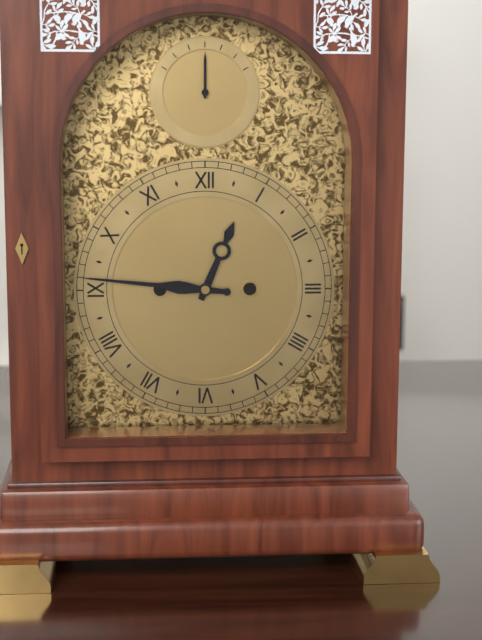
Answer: h=12 m=46
